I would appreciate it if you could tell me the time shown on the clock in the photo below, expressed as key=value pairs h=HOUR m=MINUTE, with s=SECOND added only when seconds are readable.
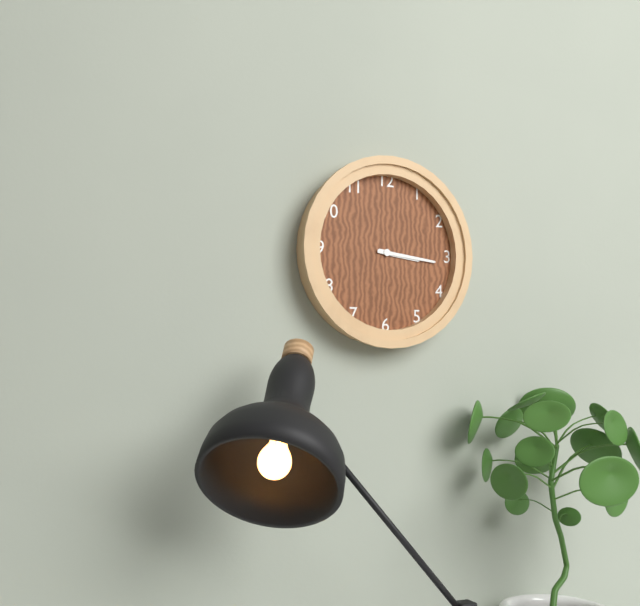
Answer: h=3 m=16
